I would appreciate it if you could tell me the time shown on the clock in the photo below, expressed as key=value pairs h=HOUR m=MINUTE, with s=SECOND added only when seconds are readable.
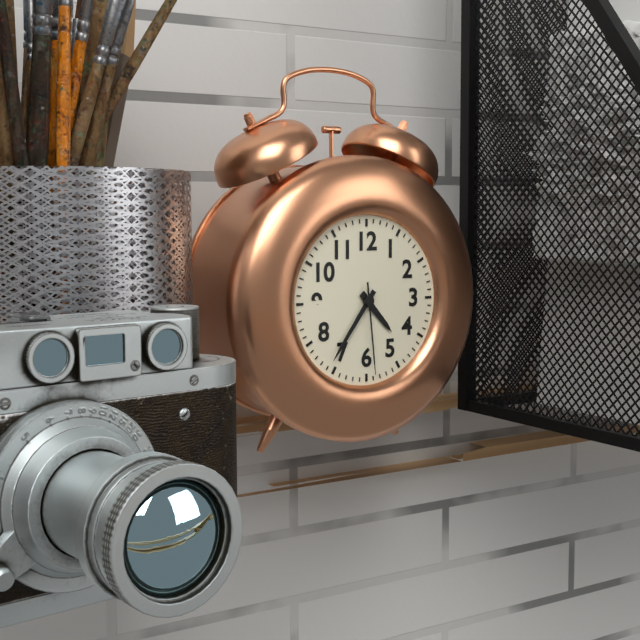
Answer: h=4 m=36 s=29
